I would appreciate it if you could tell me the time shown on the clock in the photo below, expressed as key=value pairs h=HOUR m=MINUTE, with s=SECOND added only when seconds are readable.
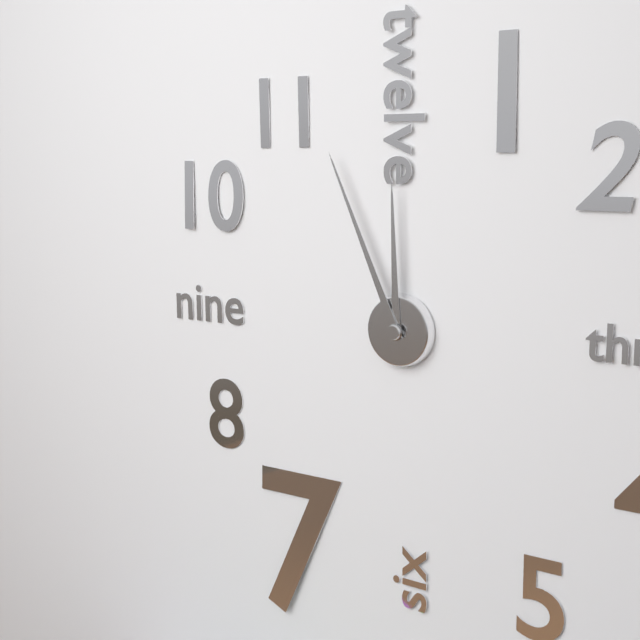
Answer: h=11 m=56
